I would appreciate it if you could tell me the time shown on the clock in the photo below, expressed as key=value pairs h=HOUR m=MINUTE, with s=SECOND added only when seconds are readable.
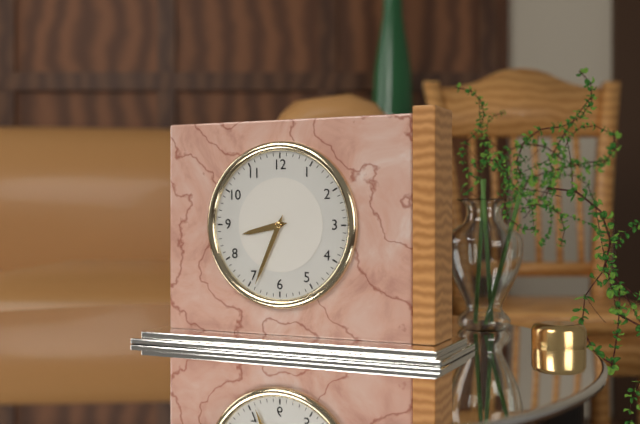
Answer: h=8 m=34
